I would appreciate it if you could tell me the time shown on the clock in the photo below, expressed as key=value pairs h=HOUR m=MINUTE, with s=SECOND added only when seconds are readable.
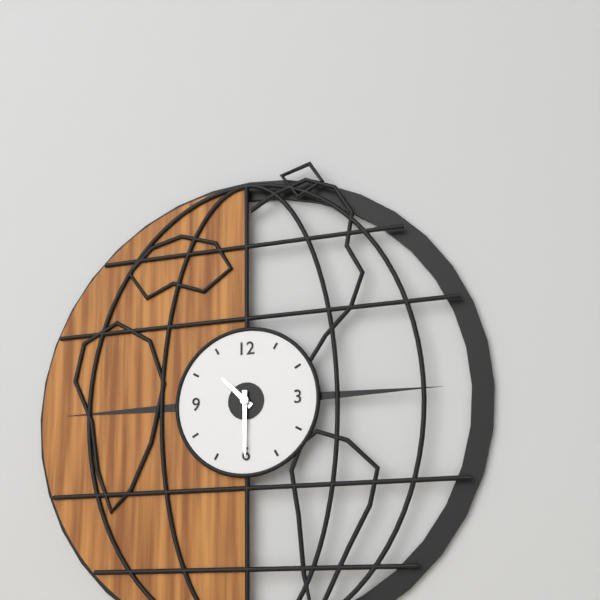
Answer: h=10 m=30
